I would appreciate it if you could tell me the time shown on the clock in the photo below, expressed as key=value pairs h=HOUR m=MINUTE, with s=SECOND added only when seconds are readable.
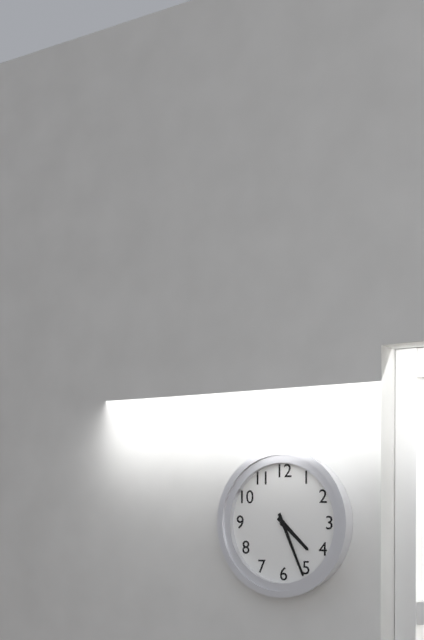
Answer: h=4 m=26
